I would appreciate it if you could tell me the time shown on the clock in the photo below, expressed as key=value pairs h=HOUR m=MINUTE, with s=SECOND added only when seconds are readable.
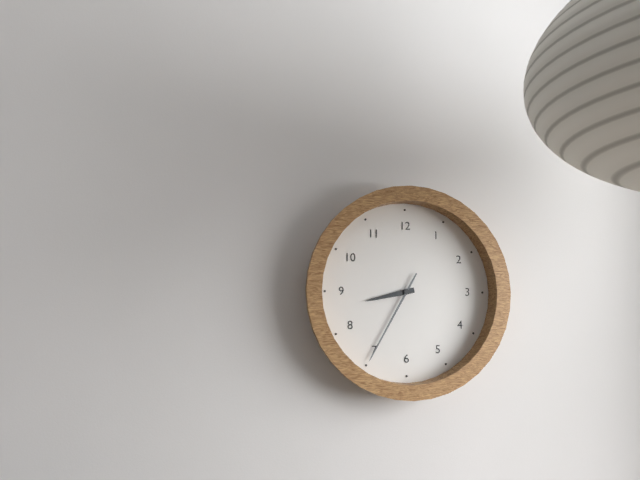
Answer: h=8 m=35
